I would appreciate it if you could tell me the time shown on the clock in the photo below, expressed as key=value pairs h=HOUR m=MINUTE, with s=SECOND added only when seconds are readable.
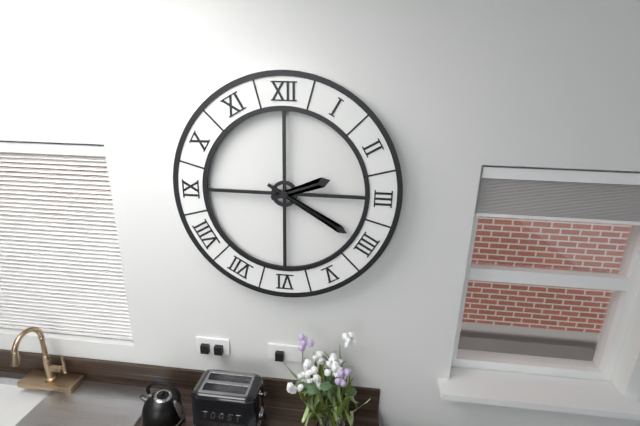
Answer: h=2 m=20
